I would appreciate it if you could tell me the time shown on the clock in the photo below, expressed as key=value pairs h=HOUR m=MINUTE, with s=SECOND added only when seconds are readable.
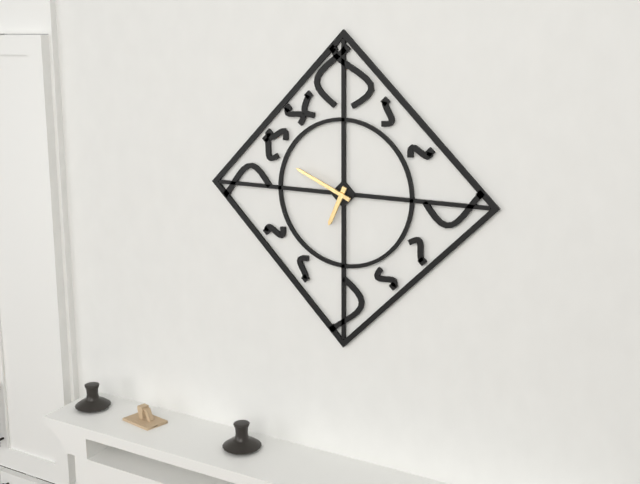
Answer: h=6 m=49
